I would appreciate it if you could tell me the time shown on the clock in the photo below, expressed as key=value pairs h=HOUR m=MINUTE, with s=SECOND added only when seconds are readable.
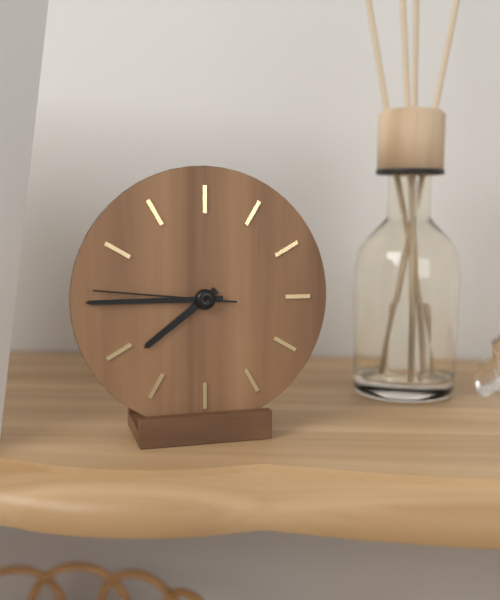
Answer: h=7 m=45 s=46
